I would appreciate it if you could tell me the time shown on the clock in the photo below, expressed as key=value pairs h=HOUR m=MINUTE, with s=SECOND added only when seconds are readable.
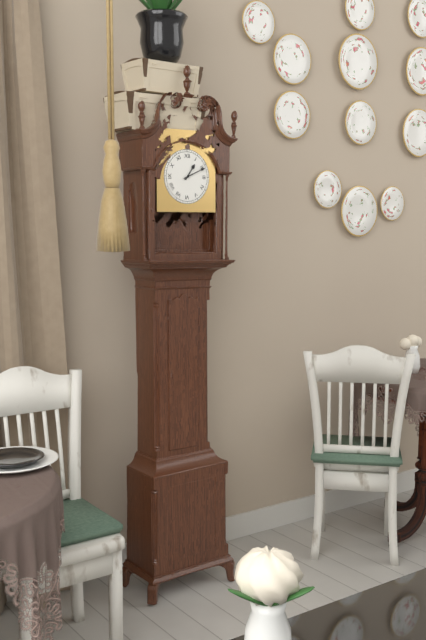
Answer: h=1 m=11
